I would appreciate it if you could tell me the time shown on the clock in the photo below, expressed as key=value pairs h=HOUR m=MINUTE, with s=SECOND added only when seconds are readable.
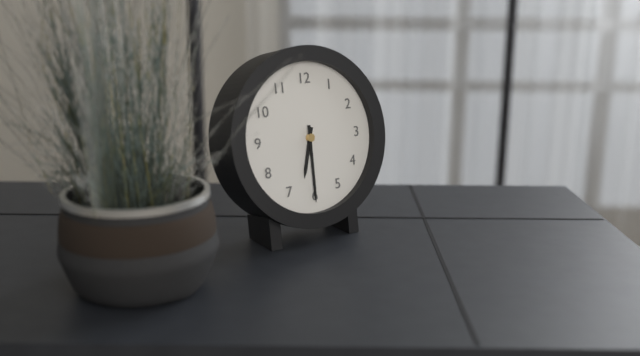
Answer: h=6 m=30
